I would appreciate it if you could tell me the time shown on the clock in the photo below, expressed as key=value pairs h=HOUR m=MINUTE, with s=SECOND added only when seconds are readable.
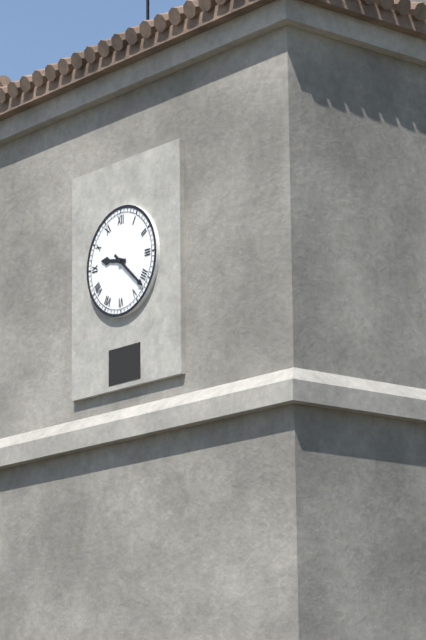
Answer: h=9 m=22
